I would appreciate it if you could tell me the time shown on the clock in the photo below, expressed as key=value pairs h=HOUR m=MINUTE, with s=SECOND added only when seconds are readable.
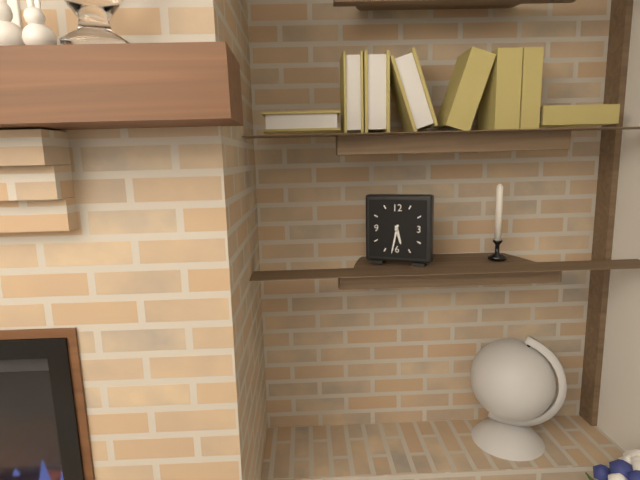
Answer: h=5 m=32
